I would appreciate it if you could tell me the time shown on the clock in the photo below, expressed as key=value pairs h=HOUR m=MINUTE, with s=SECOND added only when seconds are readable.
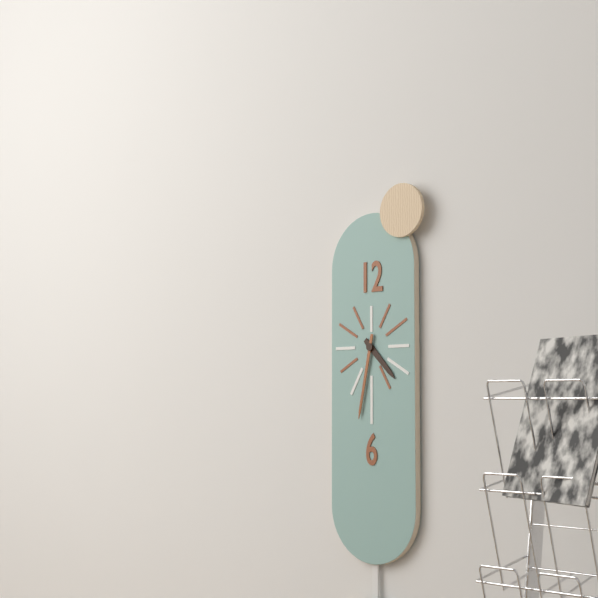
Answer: h=4 m=32
